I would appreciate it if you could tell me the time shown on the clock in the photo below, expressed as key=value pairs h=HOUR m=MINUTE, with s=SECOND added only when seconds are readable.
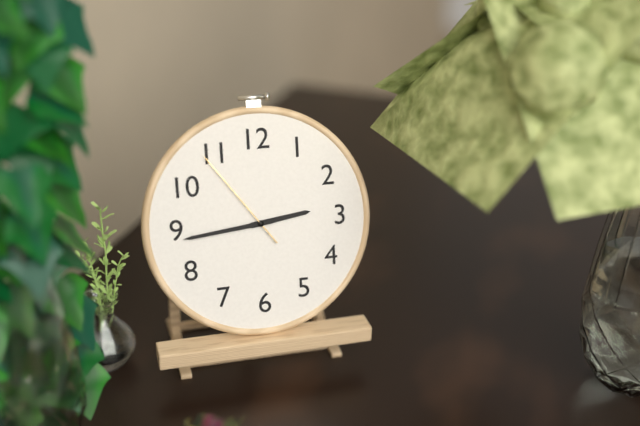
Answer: h=2 m=44 s=54
